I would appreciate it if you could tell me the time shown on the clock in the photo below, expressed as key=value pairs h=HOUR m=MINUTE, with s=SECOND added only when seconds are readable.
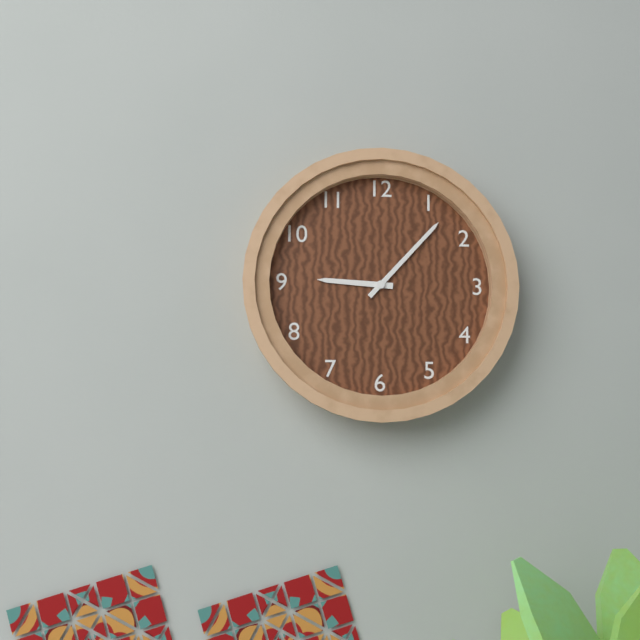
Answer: h=9 m=7
